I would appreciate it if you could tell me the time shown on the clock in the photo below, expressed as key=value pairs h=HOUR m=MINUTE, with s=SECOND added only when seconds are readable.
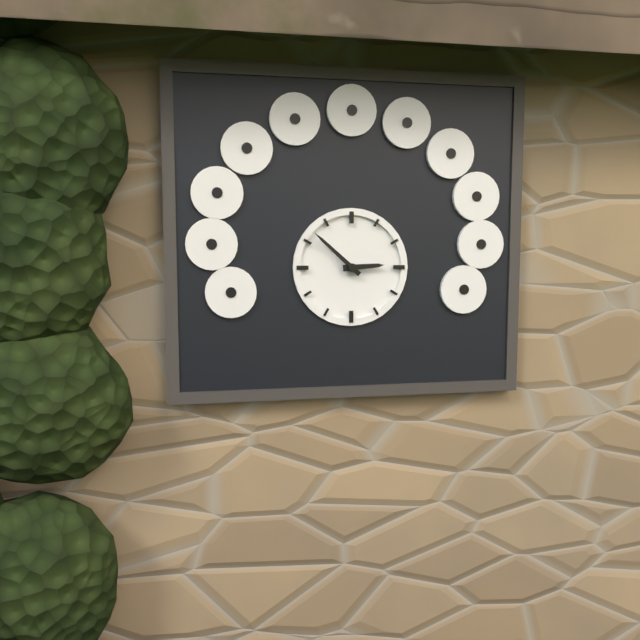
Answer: h=2 m=52
